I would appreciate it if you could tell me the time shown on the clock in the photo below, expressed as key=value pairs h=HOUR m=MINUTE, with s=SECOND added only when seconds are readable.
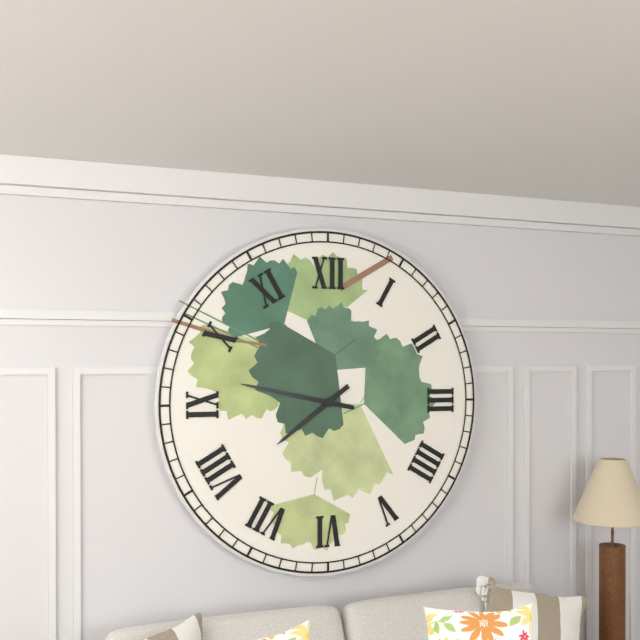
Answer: h=7 m=47
